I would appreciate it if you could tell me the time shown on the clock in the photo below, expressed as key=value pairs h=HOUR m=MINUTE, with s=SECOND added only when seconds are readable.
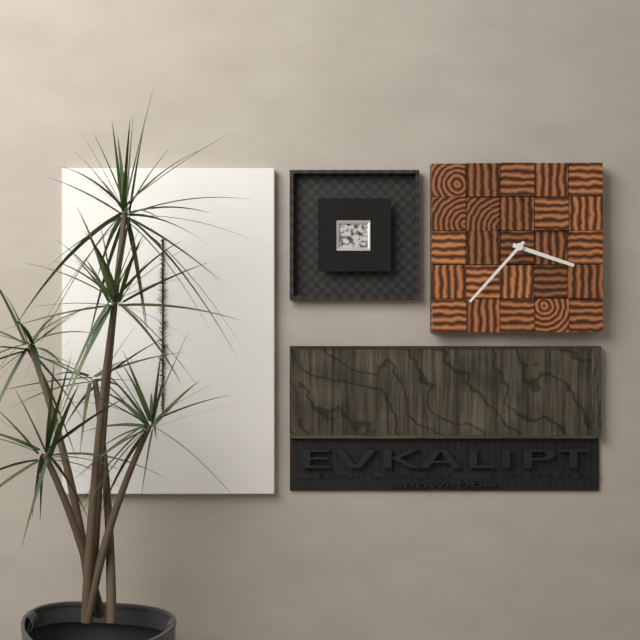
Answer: h=3 m=37
